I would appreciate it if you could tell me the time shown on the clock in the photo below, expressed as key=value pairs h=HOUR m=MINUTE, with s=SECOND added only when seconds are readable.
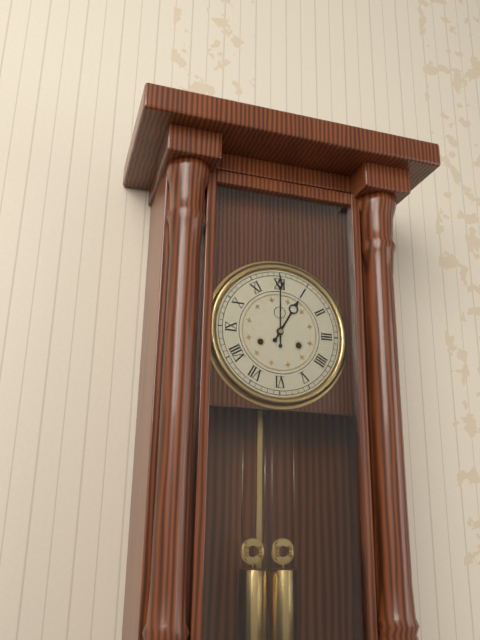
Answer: h=1 m=0
